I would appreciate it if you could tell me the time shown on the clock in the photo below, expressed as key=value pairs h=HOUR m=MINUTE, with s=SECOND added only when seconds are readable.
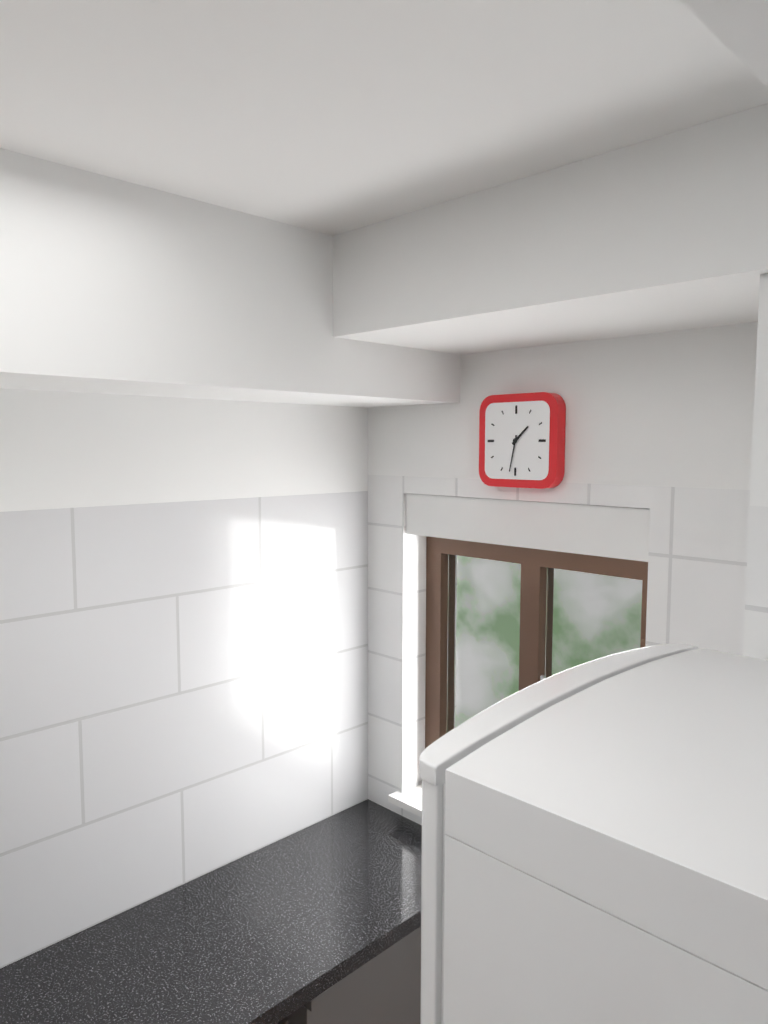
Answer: h=1 m=32
